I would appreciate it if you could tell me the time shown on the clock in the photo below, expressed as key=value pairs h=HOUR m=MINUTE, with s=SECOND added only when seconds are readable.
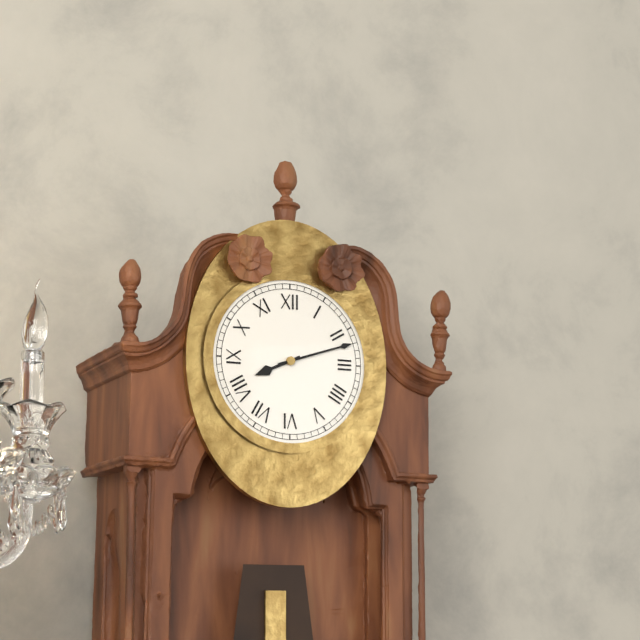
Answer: h=8 m=12
